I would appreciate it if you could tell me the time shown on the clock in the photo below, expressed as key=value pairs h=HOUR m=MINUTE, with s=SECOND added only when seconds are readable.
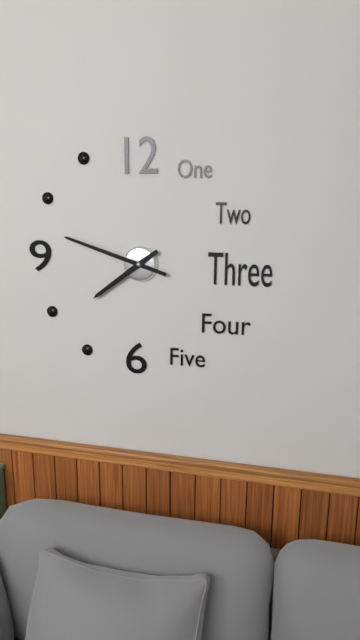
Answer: h=7 m=48
